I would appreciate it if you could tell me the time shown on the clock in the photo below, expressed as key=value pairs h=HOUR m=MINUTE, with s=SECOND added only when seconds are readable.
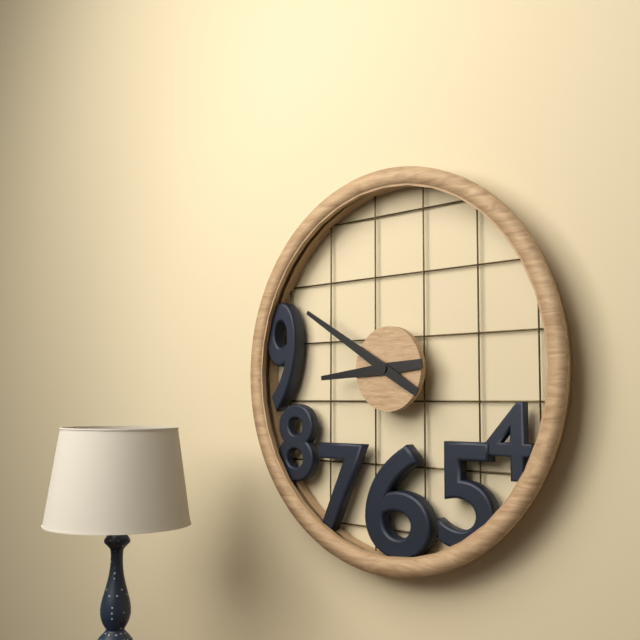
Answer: h=8 m=50
